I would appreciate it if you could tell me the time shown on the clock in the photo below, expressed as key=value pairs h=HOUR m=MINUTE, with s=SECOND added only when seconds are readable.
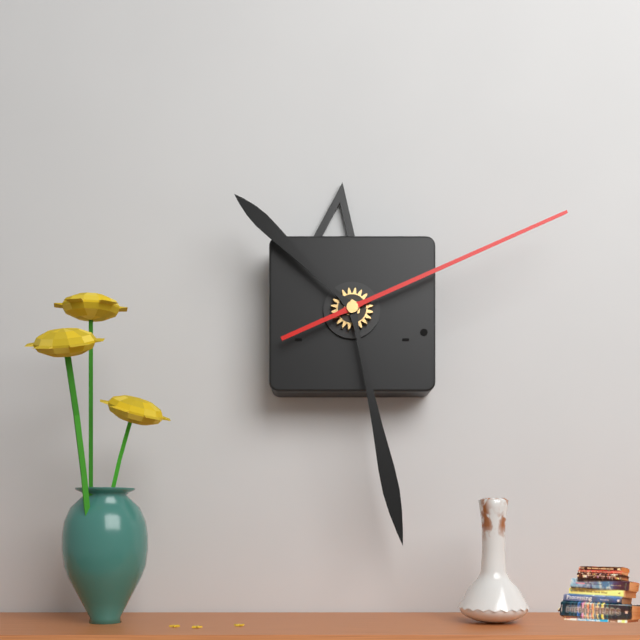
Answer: h=10 m=28 s=11
